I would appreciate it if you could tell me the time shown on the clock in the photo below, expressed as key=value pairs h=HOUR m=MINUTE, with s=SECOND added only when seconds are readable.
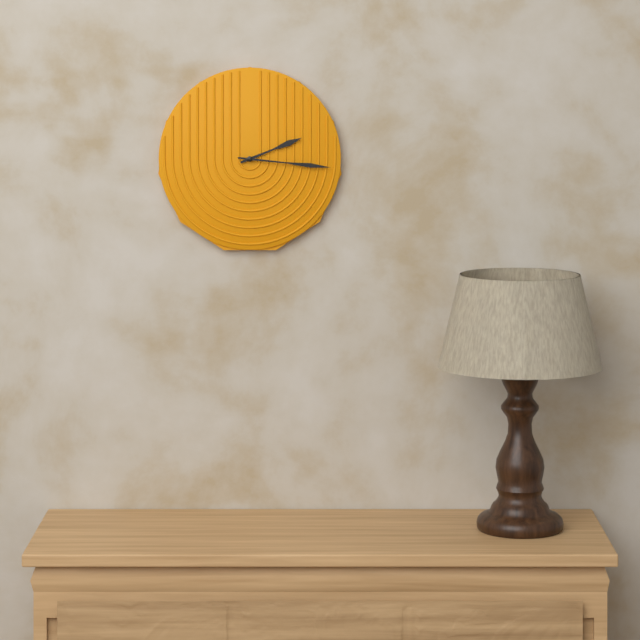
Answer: h=2 m=16
